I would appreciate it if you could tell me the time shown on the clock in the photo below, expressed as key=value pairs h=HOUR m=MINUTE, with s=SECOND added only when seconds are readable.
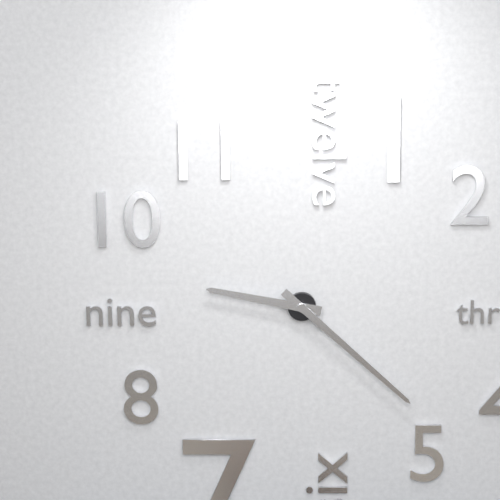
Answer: h=9 m=22
